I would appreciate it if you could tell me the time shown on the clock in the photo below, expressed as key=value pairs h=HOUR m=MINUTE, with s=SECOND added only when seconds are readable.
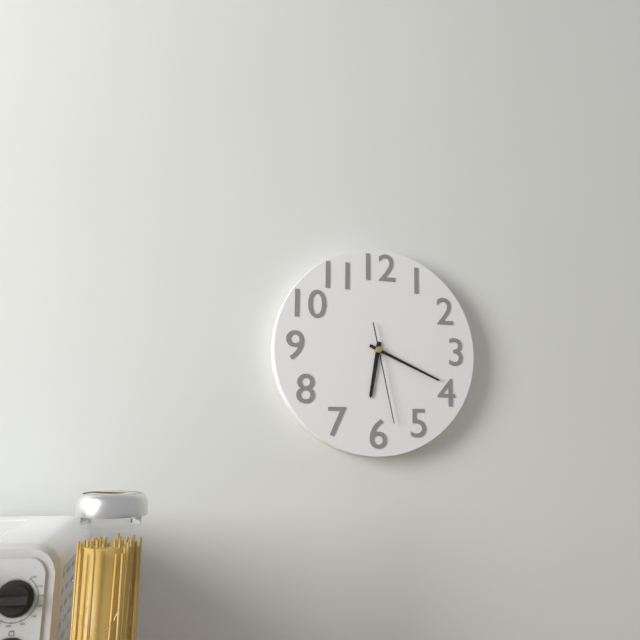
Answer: h=6 m=19 s=28
